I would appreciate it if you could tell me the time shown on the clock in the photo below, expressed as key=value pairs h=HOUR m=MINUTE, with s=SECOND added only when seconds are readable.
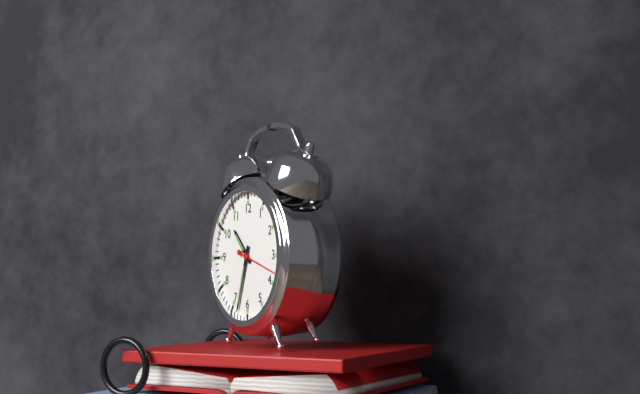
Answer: h=10 m=33
